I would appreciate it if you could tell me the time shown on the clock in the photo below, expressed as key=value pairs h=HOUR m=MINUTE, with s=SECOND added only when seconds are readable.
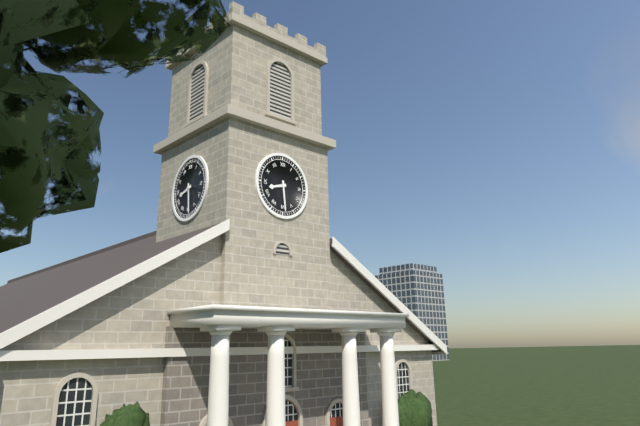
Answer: h=8 m=29
